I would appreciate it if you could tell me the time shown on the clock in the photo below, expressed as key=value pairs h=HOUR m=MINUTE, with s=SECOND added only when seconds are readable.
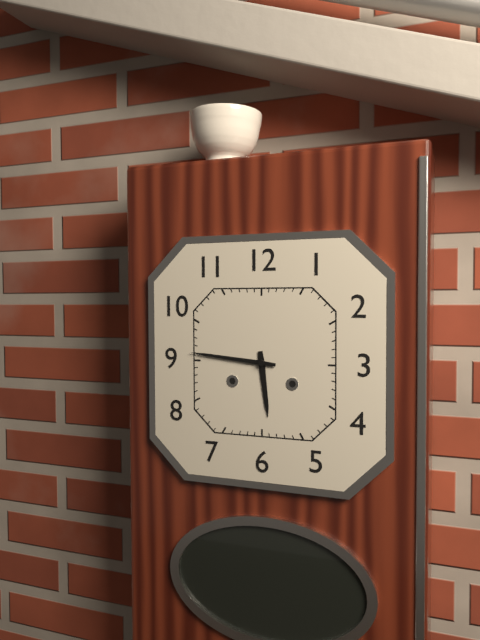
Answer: h=5 m=46
